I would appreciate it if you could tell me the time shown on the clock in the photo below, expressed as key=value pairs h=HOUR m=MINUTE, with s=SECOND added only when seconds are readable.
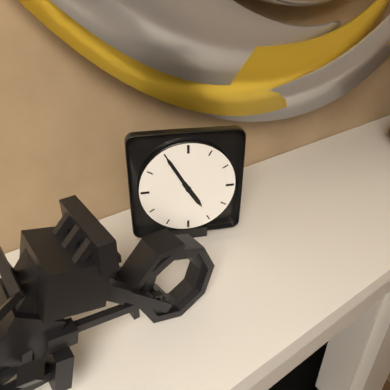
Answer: h=4 m=55
